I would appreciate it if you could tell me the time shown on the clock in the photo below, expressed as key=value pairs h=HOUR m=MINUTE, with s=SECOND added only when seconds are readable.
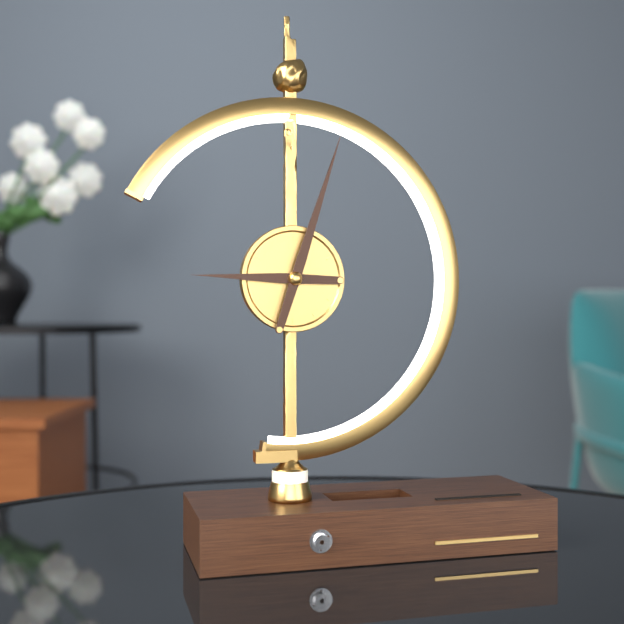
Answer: h=9 m=3
